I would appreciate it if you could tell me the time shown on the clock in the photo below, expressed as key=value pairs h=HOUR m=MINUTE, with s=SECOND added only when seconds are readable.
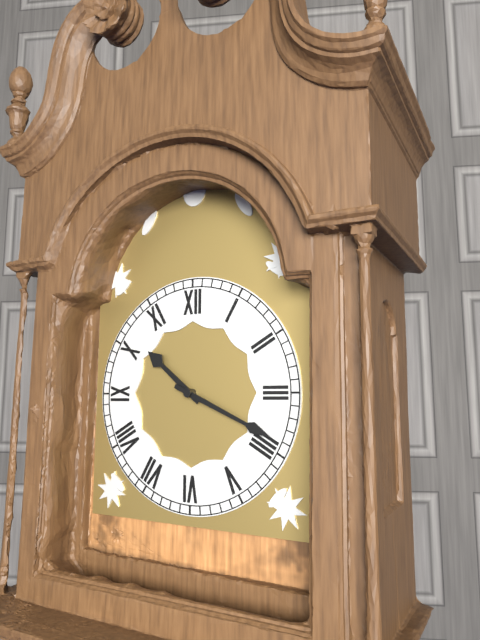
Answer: h=10 m=19
